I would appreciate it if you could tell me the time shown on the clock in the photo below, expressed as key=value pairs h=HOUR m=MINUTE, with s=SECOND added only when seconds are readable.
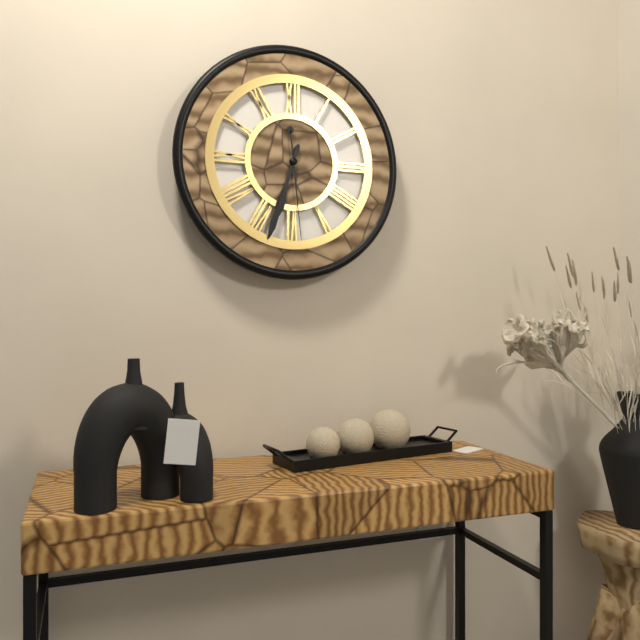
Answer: h=6 m=33 s=29
